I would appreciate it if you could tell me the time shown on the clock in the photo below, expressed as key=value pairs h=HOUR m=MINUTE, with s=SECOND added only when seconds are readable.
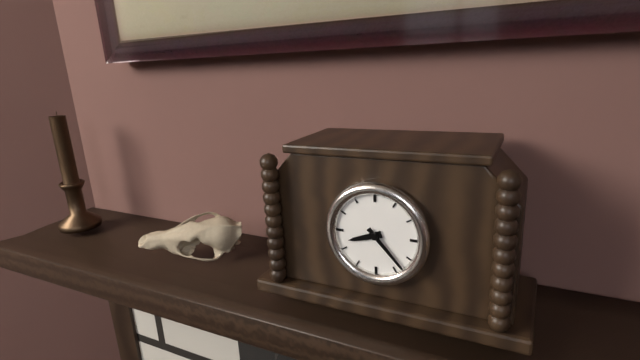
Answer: h=8 m=23
